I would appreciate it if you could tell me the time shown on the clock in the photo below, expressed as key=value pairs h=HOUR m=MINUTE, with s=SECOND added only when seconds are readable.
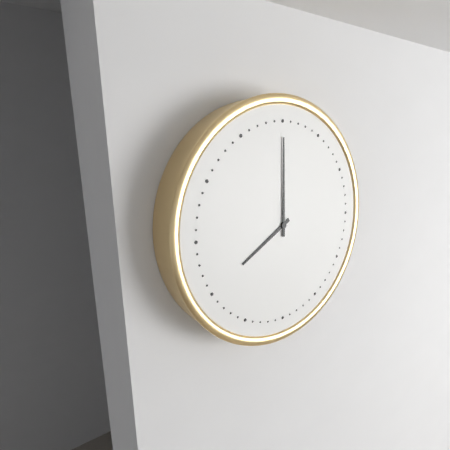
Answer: h=8 m=0
